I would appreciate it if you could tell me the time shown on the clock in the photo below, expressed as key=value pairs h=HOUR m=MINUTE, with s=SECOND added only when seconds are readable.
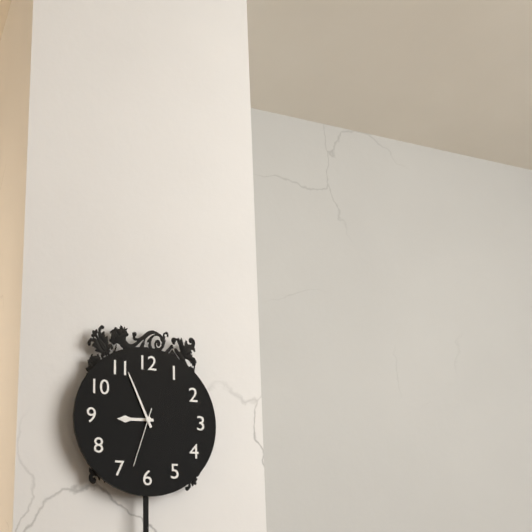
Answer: h=8 m=56 s=33
